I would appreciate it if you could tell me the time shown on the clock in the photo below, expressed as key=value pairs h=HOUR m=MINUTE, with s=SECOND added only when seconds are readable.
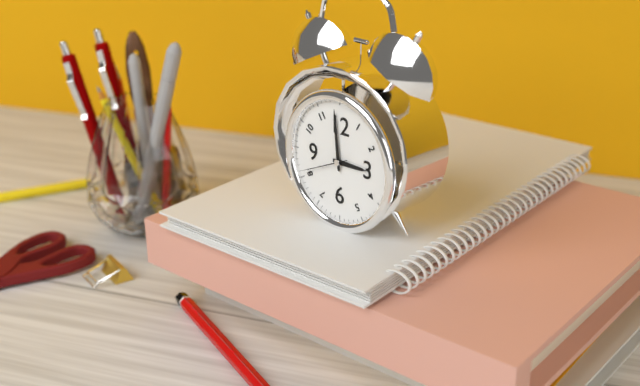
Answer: h=2 m=59
